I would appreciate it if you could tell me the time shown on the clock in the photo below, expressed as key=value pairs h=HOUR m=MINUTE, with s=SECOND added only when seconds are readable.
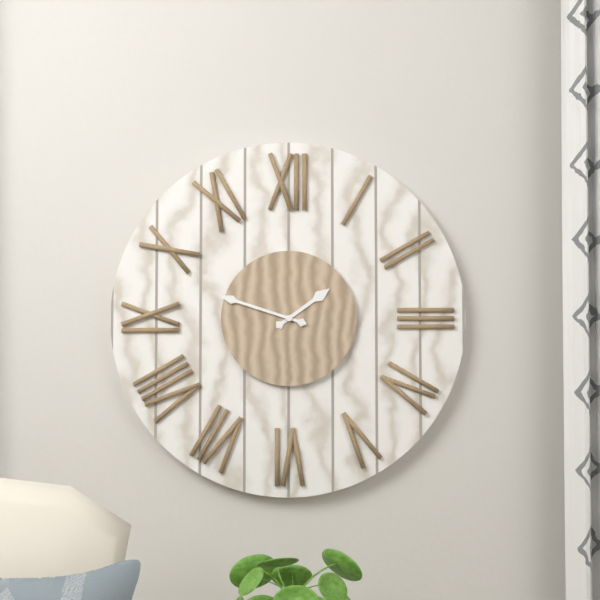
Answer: h=1 m=48
